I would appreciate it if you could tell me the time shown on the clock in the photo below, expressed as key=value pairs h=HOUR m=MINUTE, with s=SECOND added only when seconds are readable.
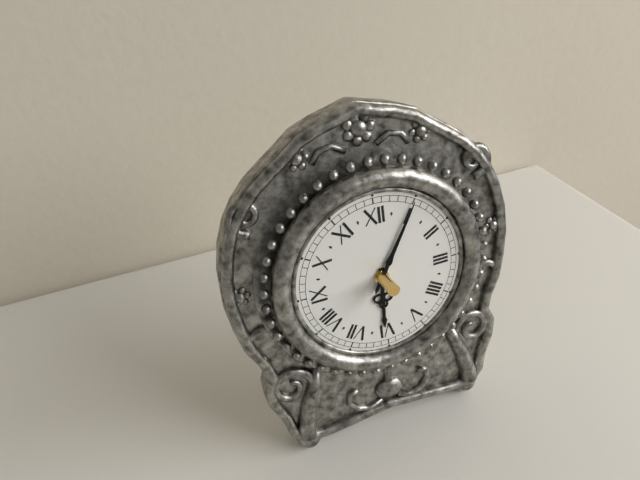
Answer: h=6 m=5
